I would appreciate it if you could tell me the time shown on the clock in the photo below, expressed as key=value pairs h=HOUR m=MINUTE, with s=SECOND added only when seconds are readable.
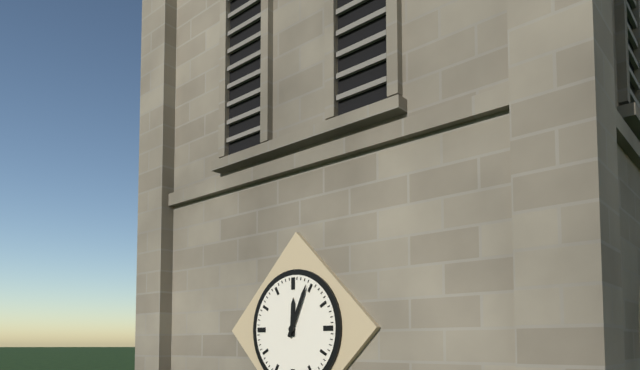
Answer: h=12 m=4
